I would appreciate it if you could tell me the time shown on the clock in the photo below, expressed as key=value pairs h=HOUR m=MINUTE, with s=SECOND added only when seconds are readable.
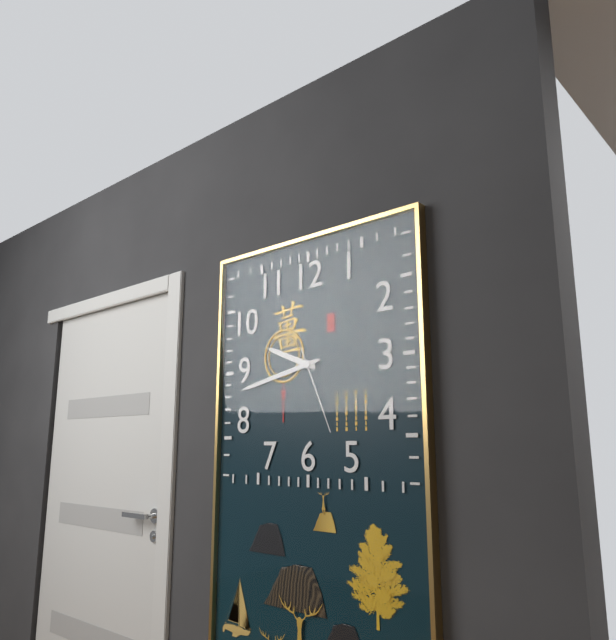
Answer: h=9 m=43 s=26
